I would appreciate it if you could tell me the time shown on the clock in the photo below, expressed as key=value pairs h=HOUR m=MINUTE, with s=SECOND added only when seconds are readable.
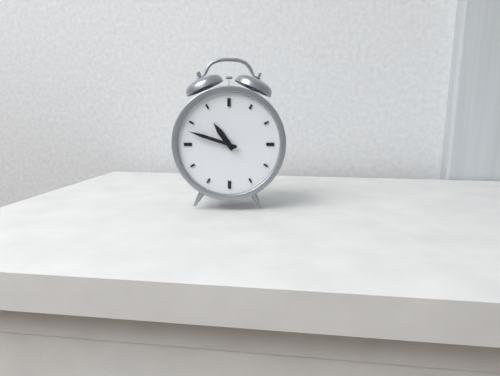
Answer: h=10 m=48
